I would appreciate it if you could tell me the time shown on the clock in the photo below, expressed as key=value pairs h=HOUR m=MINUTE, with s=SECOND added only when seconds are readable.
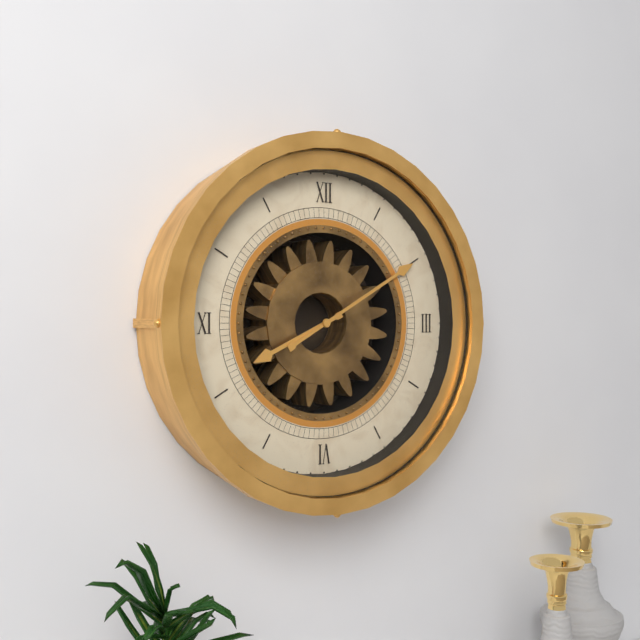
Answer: h=8 m=10
